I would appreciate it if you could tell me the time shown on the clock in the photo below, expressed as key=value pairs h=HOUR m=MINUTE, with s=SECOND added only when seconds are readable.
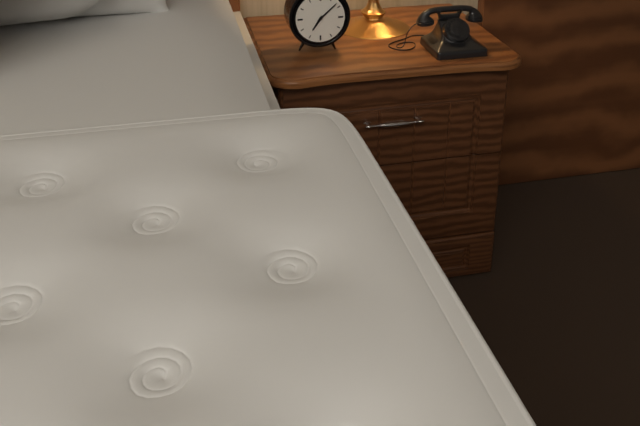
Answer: h=7 m=8
